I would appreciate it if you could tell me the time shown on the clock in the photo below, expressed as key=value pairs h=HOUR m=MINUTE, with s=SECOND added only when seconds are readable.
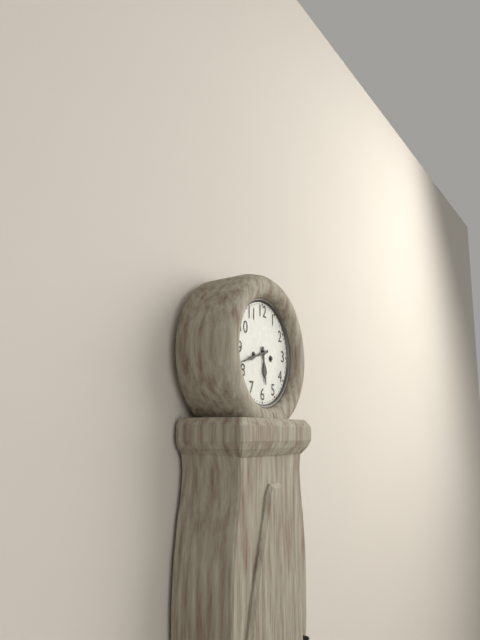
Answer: h=5 m=42
